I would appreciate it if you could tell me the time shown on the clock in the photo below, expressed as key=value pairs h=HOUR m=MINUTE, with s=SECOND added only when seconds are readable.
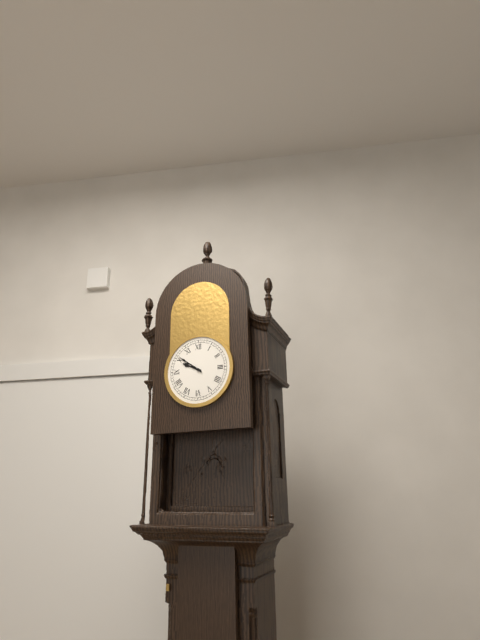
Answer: h=9 m=51
